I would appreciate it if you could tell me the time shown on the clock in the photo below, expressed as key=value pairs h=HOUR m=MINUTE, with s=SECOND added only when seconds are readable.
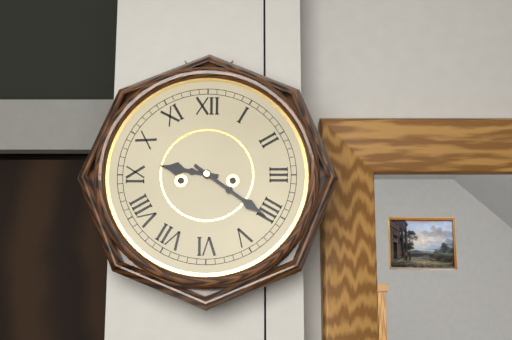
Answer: h=9 m=21
